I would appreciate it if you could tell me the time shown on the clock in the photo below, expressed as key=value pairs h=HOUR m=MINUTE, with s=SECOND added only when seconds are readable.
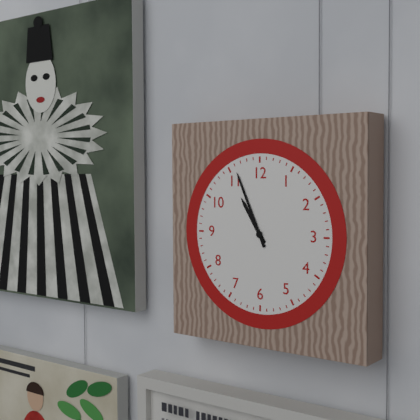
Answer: h=10 m=56
